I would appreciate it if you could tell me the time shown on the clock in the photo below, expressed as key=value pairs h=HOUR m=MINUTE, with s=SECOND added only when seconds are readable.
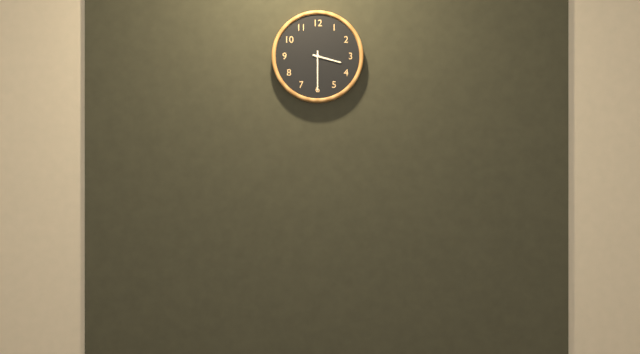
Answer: h=3 m=30
